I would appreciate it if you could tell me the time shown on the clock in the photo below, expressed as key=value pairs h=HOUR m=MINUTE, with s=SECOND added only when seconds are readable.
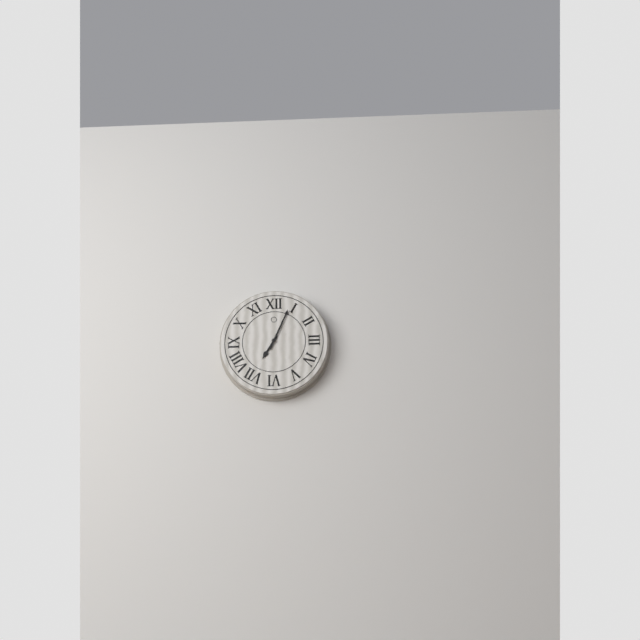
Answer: h=7 m=4
